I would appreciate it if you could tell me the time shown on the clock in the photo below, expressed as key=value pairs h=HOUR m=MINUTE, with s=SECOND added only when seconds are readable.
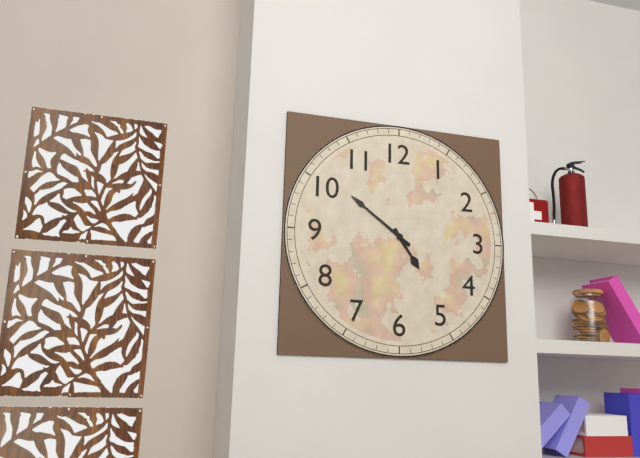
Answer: h=4 m=51
